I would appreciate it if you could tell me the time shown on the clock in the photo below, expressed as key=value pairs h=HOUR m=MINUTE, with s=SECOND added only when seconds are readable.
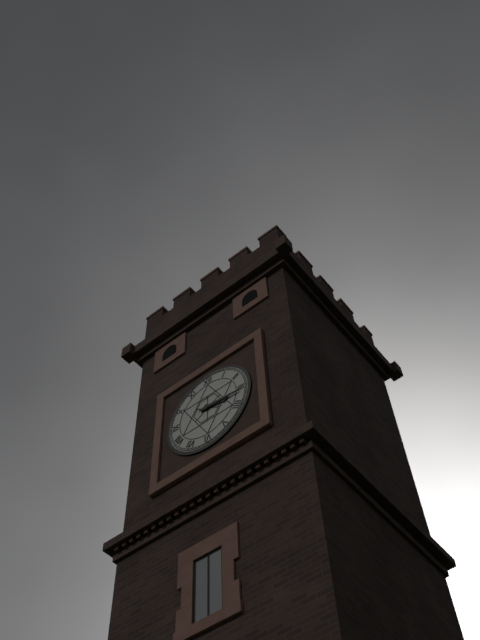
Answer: h=3 m=16
